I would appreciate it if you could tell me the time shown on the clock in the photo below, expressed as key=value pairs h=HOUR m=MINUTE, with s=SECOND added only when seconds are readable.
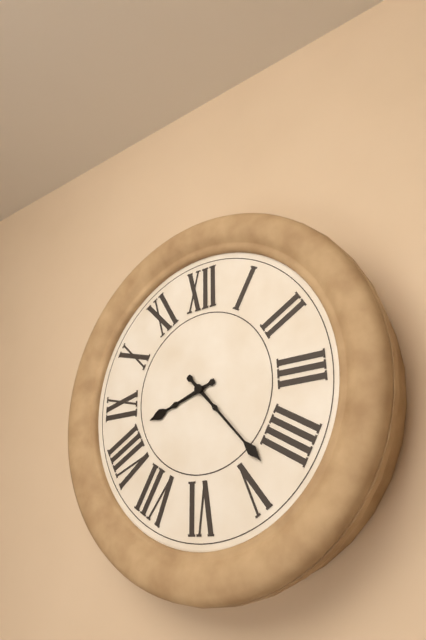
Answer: h=8 m=23
